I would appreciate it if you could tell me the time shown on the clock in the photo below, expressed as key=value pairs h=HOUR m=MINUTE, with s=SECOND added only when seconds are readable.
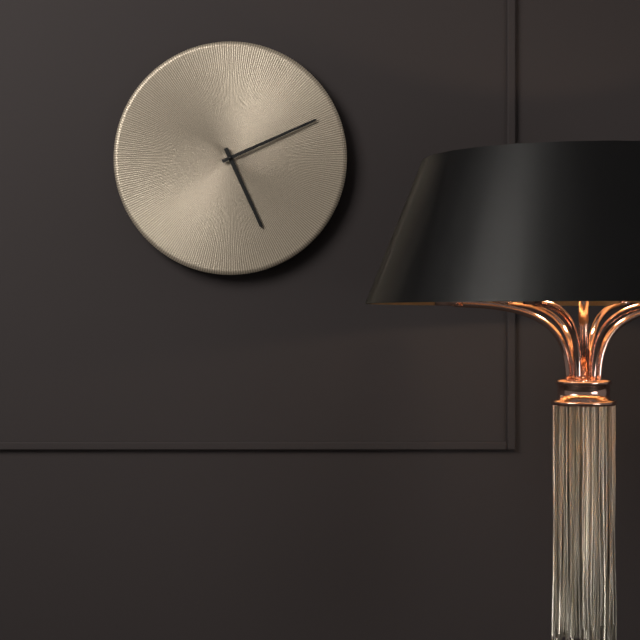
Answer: h=5 m=11
